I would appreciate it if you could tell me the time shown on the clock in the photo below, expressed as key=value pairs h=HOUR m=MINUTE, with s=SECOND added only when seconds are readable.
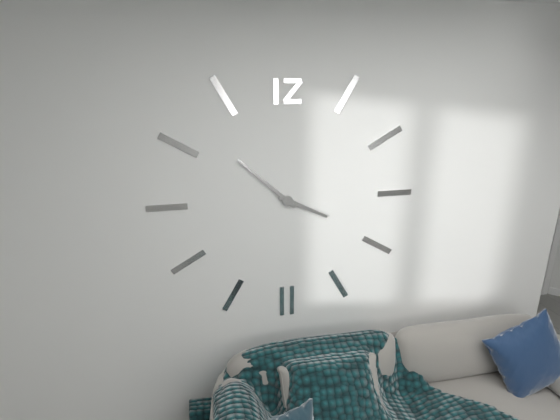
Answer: h=3 m=52
